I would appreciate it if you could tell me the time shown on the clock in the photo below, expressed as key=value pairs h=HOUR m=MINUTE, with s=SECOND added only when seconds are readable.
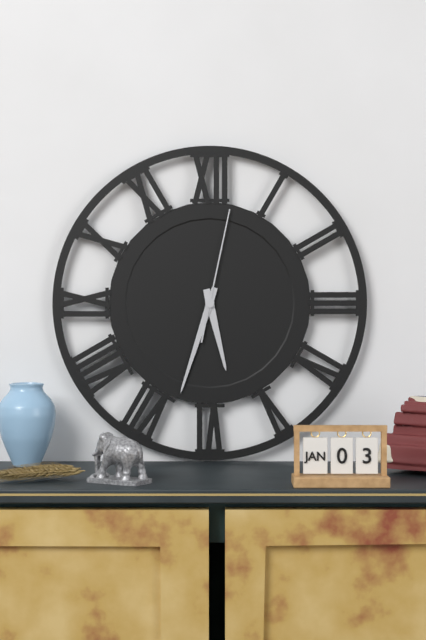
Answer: h=5 m=33 s=2
